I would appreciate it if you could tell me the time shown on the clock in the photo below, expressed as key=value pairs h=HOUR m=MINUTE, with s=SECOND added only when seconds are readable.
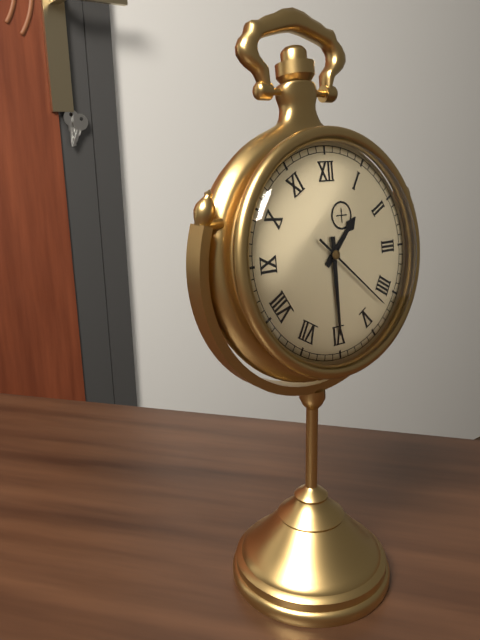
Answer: h=1 m=30 s=22
